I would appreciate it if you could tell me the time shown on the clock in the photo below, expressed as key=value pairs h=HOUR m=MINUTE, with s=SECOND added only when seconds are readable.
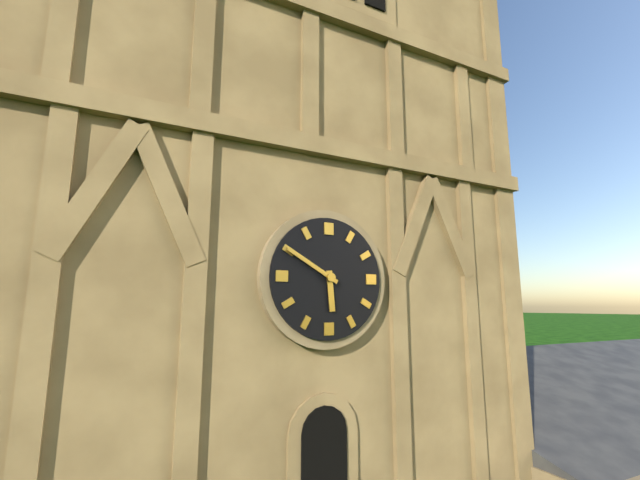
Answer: h=5 m=50
